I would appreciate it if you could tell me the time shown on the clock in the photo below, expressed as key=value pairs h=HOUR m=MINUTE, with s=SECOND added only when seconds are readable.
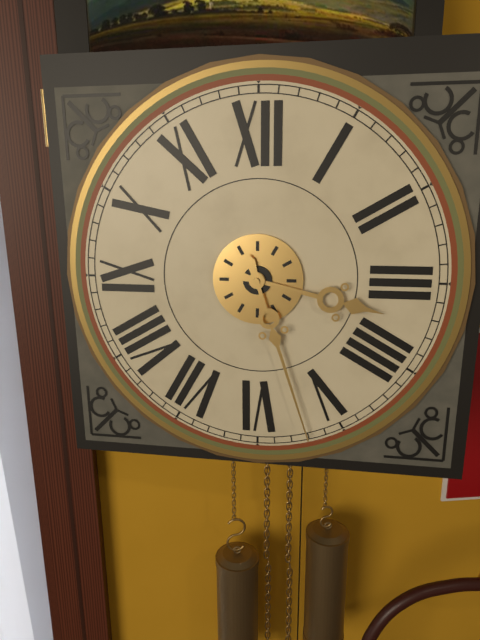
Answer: h=3 m=27
